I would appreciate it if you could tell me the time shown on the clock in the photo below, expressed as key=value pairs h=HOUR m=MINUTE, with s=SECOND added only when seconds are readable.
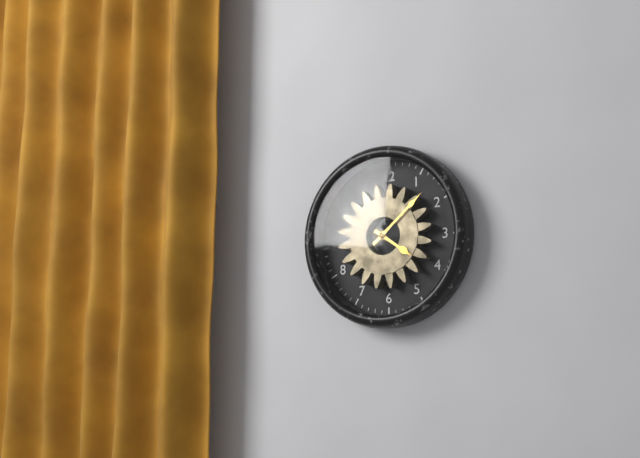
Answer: h=4 m=8
